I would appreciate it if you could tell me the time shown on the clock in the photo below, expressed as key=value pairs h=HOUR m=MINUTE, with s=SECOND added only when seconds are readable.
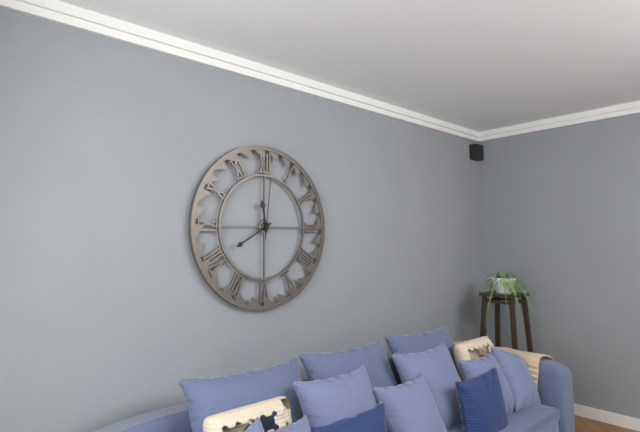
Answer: h=11 m=40 s=1
